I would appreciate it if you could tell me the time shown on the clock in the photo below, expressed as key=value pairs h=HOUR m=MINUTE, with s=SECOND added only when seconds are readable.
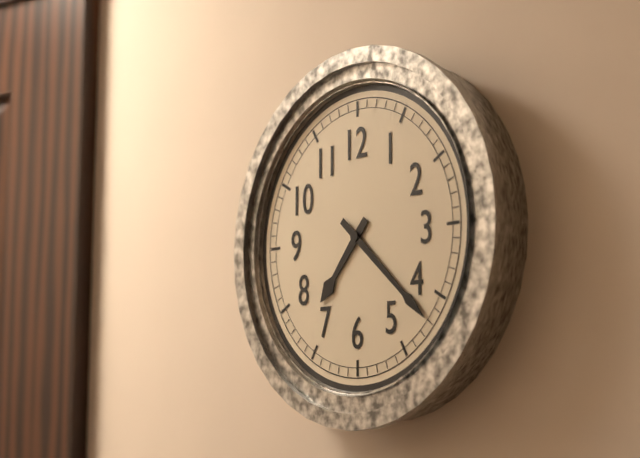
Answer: h=7 m=22
